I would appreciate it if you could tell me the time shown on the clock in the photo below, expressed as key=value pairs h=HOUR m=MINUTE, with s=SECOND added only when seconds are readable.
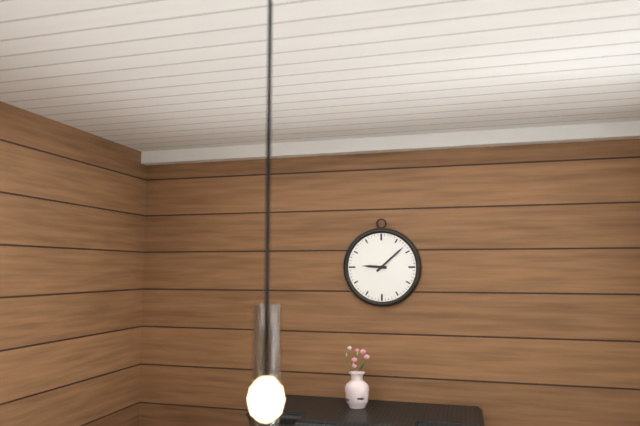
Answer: h=9 m=8
